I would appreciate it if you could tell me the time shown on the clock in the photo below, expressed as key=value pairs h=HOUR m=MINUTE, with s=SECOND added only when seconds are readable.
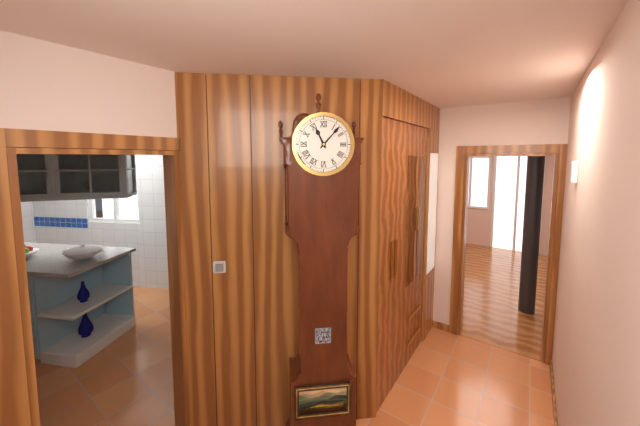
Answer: h=11 m=7
